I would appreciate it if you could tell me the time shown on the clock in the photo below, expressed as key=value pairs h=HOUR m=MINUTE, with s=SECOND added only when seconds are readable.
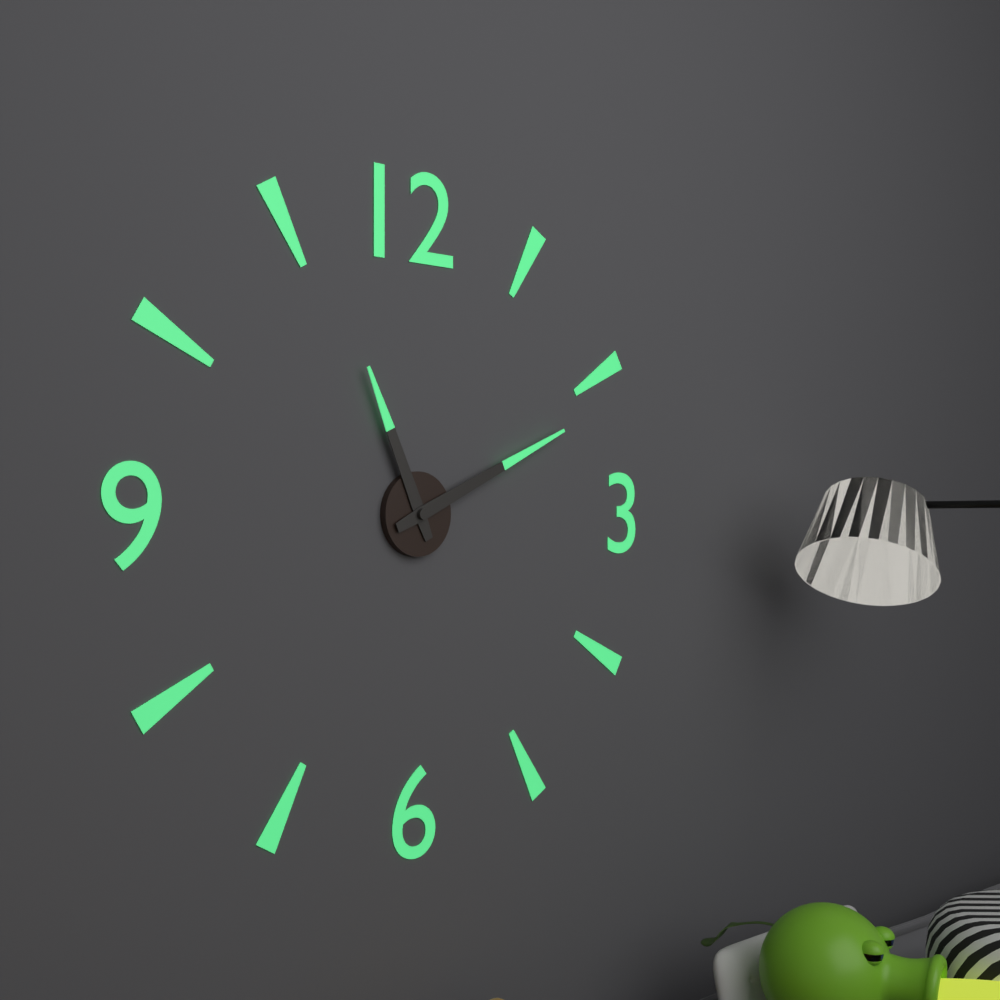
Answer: h=11 m=11
